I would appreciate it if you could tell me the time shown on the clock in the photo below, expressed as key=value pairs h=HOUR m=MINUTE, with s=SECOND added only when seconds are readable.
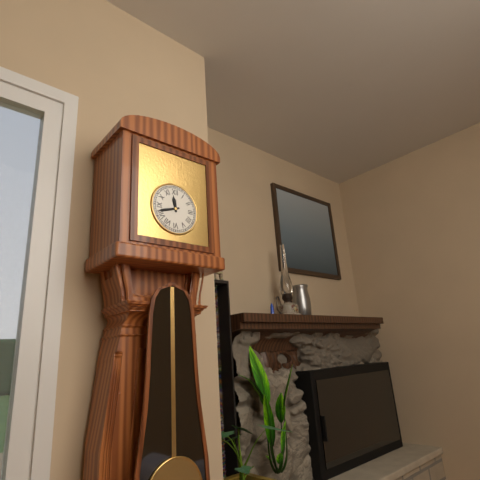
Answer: h=11 m=42
